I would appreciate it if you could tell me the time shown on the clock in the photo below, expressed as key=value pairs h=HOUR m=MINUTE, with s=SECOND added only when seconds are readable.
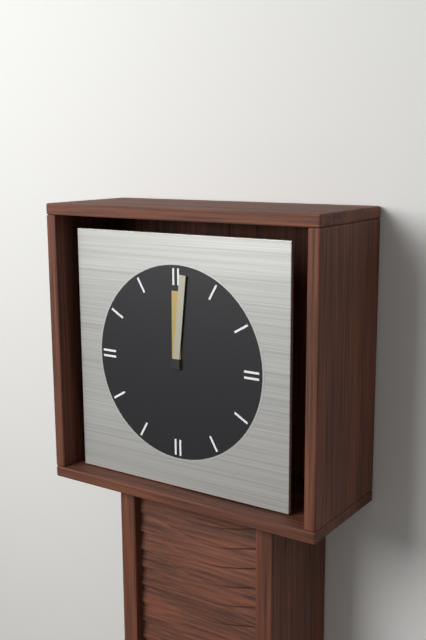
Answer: h=12 m=1
